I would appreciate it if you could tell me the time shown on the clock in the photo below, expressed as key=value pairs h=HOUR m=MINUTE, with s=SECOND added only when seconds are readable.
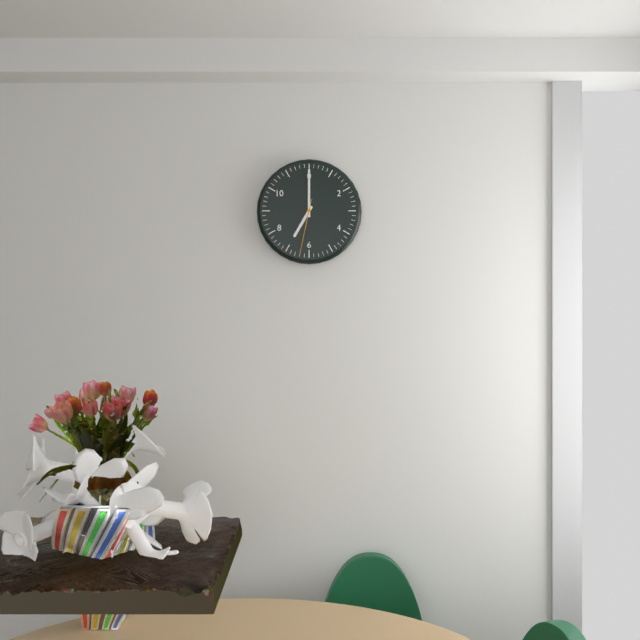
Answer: h=7 m=0 s=32
